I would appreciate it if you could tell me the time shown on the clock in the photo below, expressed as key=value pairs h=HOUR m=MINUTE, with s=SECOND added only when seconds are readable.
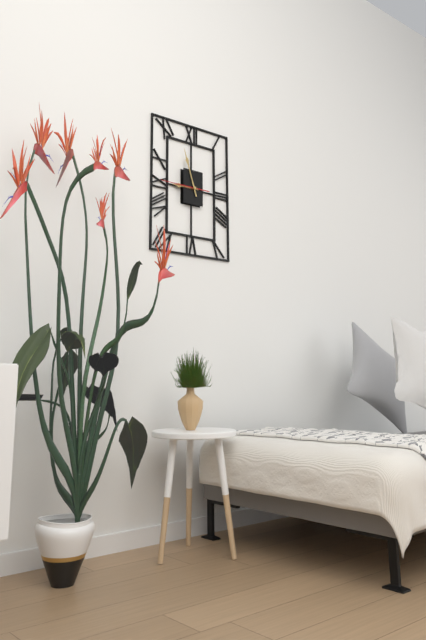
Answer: h=8 m=57
